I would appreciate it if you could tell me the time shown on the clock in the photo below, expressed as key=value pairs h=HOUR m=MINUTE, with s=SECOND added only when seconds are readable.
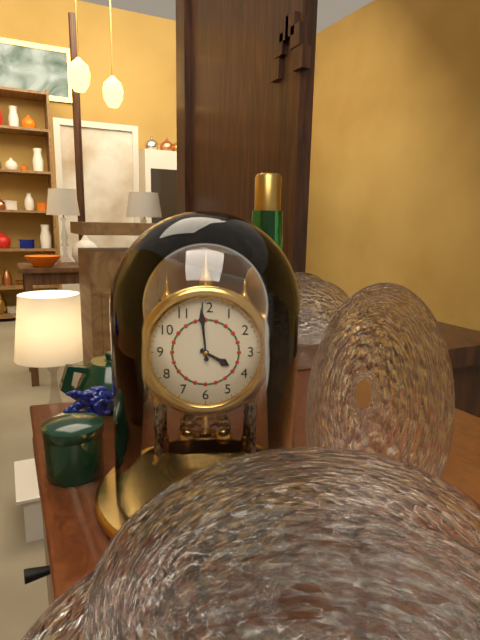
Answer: h=3 m=59
